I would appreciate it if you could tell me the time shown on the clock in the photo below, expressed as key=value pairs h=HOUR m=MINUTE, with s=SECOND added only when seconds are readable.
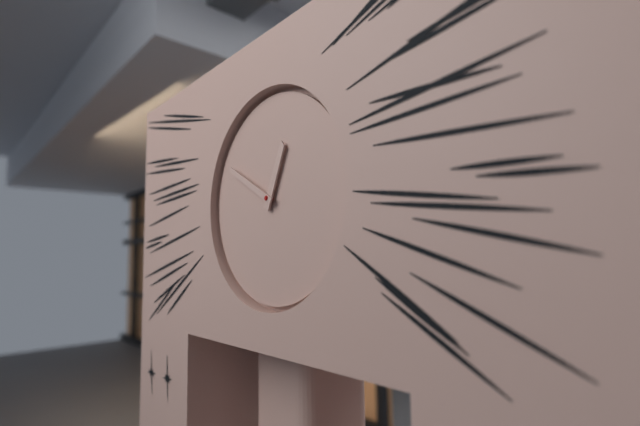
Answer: h=12 m=50
